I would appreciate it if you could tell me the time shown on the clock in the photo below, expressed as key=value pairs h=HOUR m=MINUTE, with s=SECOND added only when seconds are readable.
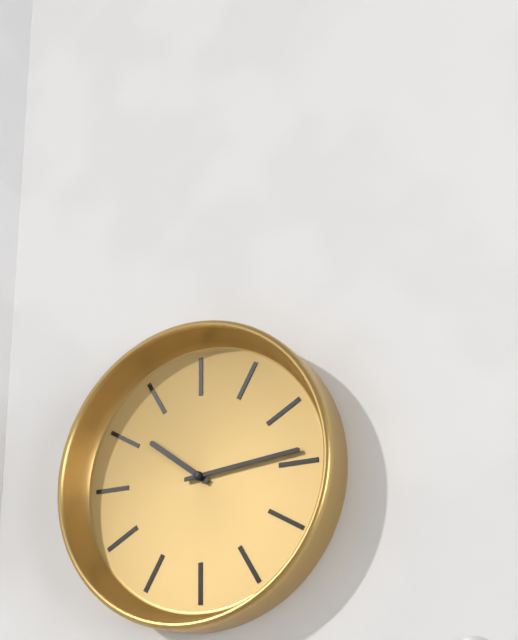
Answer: h=10 m=14
